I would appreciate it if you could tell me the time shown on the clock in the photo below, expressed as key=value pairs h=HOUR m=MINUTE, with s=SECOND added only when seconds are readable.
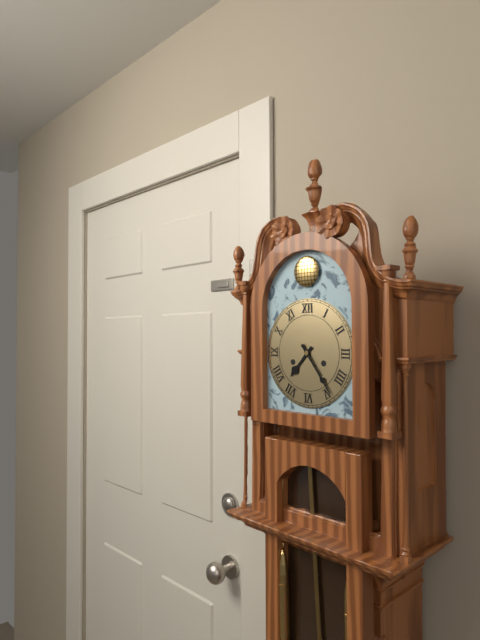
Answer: h=7 m=24
